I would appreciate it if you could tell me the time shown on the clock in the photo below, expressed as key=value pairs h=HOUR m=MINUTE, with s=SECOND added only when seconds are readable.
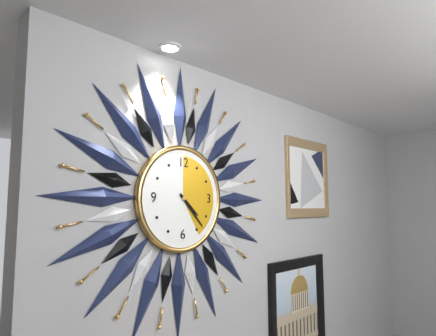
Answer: h=4 m=23
